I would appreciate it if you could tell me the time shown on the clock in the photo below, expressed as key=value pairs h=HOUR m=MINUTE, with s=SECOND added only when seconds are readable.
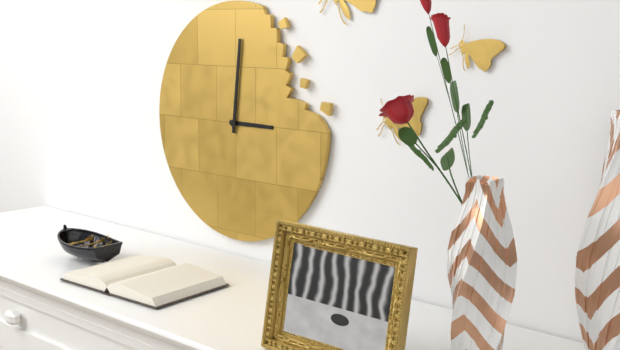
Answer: h=3 m=1
